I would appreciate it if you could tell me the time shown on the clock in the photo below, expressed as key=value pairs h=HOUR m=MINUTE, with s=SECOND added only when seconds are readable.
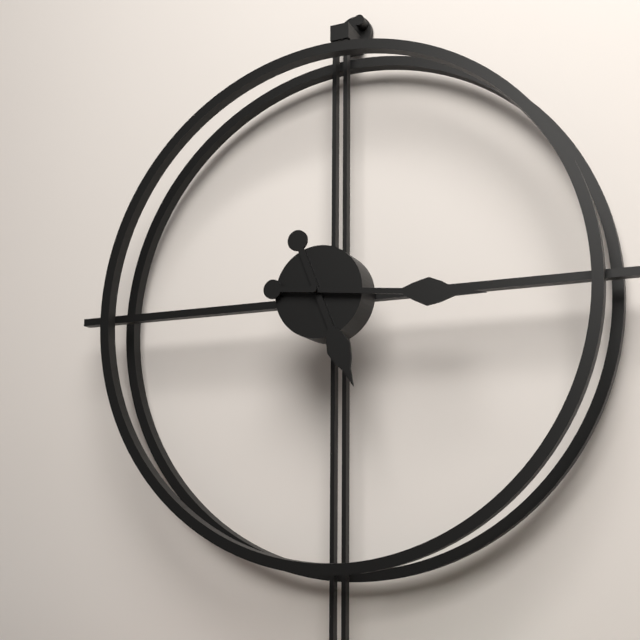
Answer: h=5 m=16
